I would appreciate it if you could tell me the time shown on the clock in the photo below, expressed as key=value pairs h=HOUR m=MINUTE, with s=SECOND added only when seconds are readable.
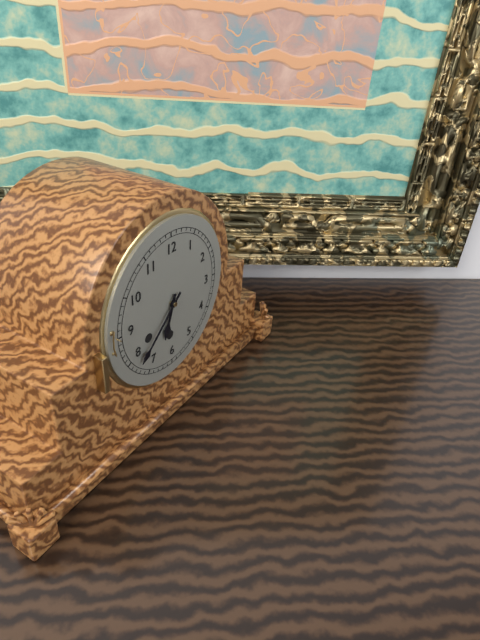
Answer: h=6 m=38
